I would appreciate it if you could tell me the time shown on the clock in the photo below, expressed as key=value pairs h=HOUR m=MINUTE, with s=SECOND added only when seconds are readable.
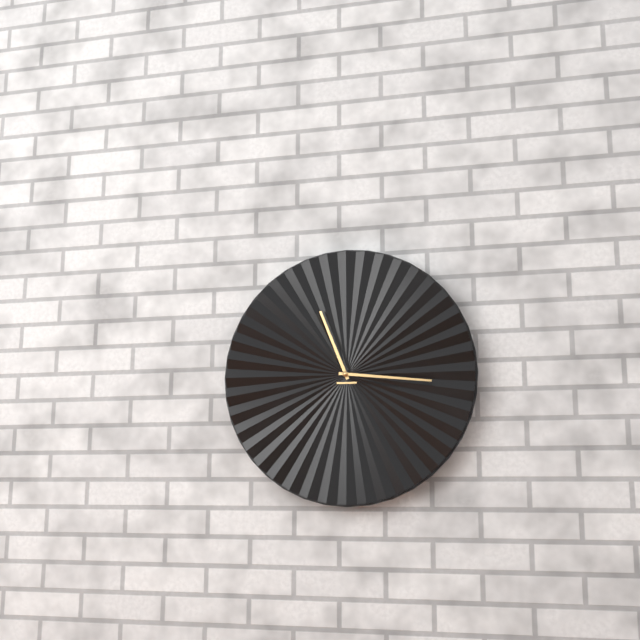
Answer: h=11 m=16
